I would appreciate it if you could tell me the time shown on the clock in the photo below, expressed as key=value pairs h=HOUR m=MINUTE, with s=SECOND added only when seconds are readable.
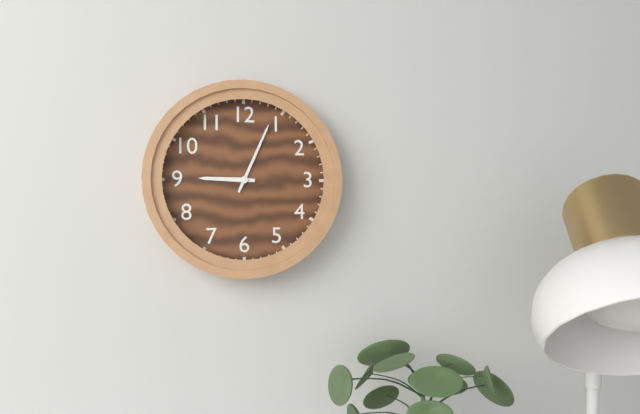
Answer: h=9 m=4
